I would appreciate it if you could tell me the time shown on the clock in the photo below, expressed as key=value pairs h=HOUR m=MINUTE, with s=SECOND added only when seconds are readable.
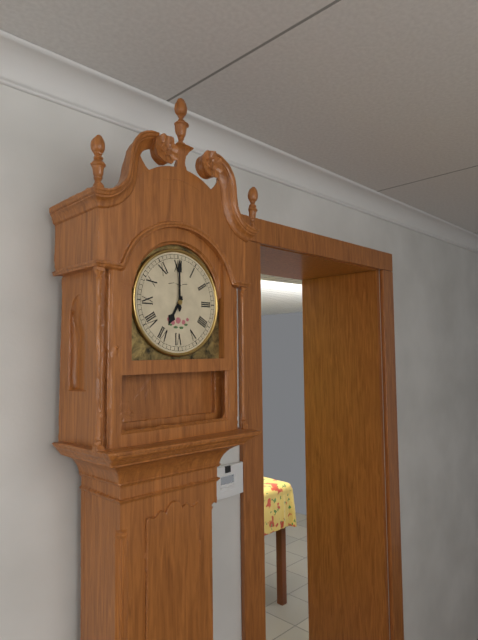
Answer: h=7 m=0
